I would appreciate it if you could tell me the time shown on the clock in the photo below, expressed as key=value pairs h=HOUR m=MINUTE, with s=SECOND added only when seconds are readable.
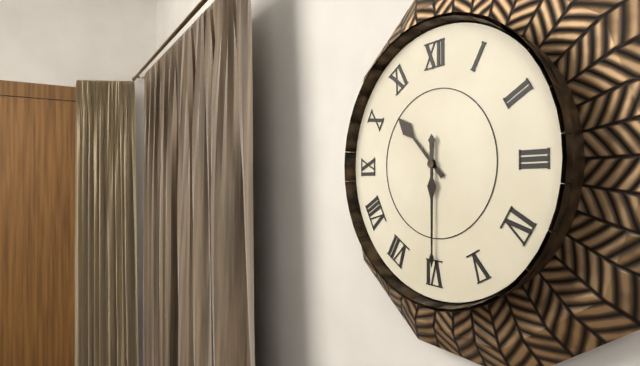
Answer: h=10 m=30
